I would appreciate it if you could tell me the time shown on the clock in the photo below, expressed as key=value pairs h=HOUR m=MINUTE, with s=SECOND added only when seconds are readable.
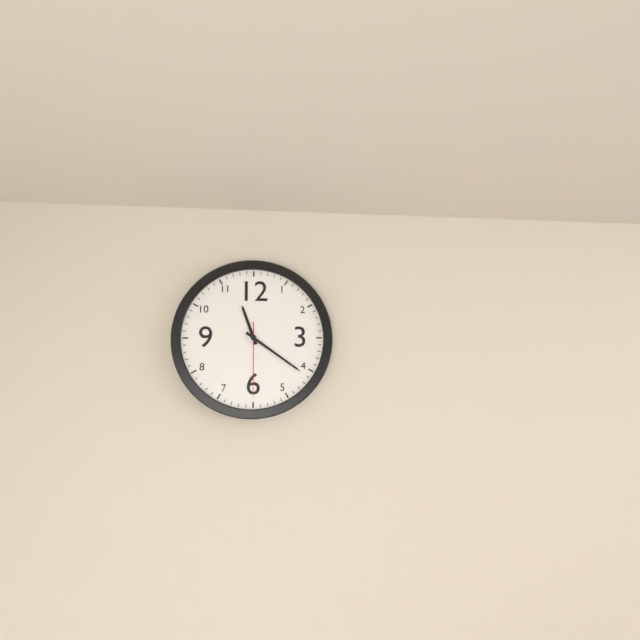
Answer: h=11 m=21 s=30
